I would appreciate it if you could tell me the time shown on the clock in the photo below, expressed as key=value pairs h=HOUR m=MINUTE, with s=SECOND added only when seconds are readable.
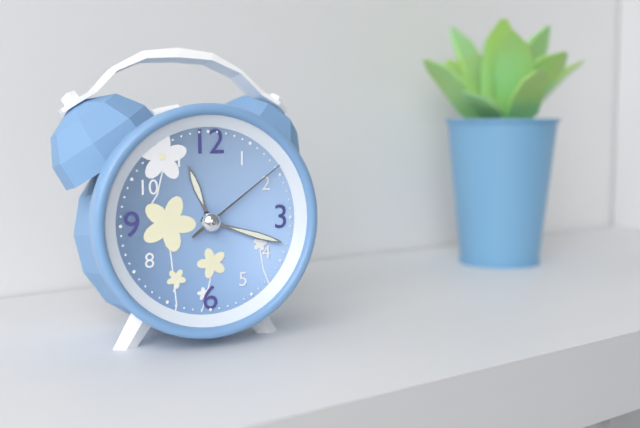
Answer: h=11 m=18 s=9
